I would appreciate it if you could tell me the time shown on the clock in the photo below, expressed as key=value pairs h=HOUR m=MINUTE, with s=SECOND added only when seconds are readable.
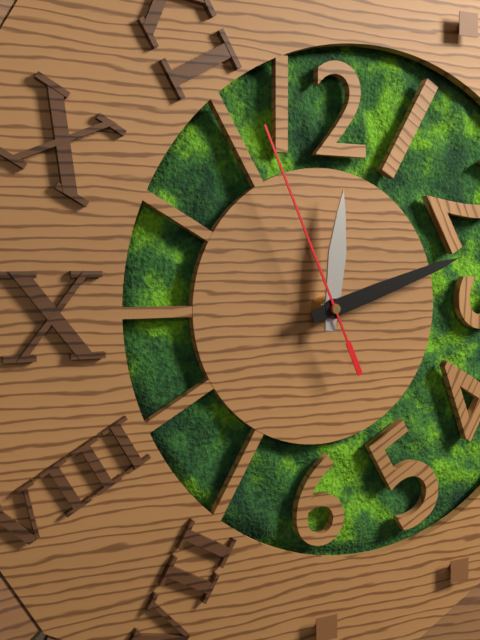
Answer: h=12 m=12 s=56
